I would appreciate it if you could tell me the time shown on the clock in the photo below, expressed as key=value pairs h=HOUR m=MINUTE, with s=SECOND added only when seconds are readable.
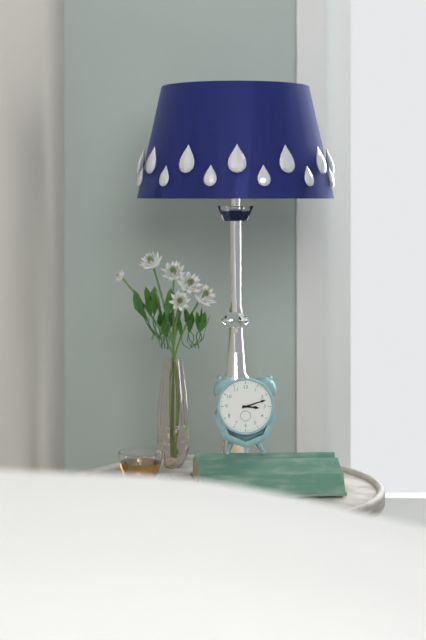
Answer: h=3 m=12
